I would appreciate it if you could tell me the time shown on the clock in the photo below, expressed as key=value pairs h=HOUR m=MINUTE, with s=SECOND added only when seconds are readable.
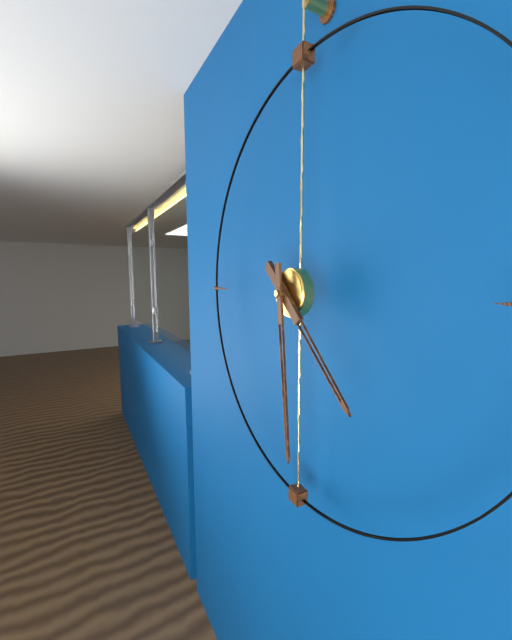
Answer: h=4 m=29
